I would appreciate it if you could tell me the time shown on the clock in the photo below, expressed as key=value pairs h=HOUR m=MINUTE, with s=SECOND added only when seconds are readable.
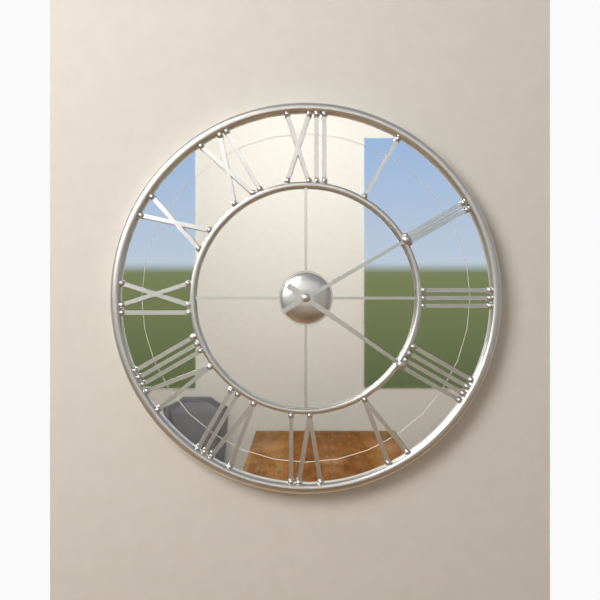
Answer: h=4 m=10
